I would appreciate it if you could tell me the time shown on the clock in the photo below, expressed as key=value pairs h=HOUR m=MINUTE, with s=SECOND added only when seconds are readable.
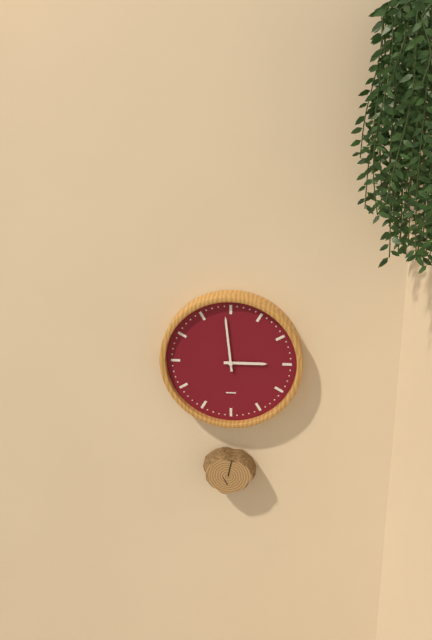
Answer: h=2 m=59
